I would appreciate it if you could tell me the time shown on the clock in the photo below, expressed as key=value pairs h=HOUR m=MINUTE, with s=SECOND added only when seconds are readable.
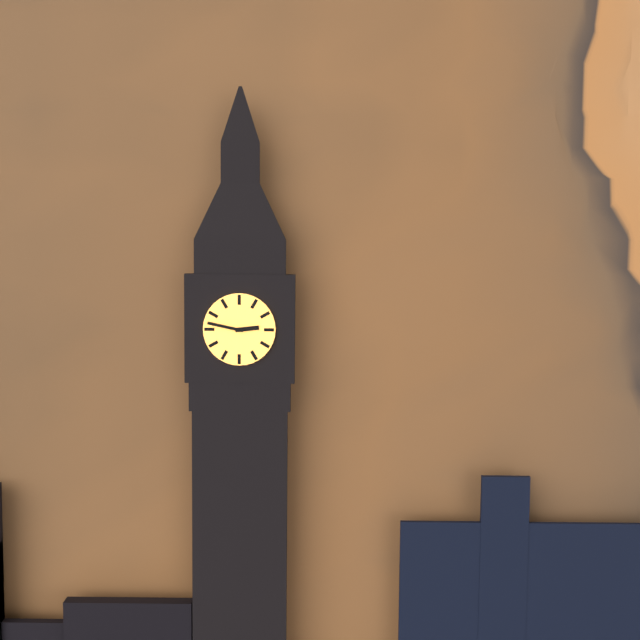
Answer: h=2 m=47
